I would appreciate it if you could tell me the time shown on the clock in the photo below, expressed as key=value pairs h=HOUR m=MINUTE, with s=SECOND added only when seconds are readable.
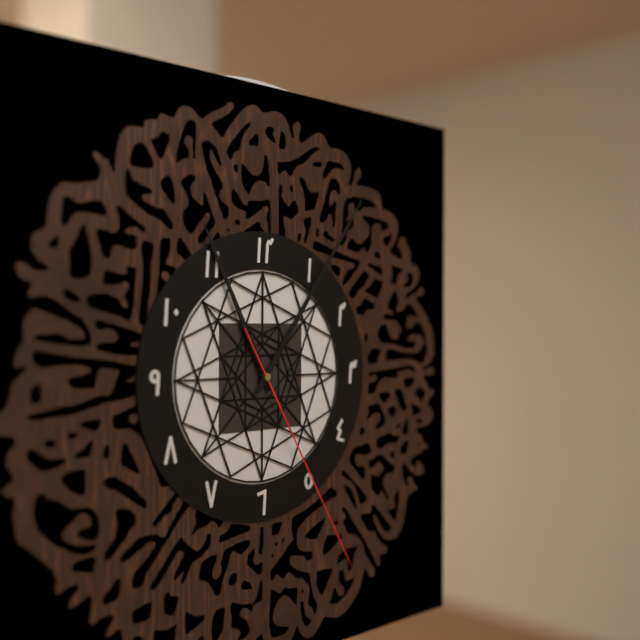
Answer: h=11 m=6 s=25
